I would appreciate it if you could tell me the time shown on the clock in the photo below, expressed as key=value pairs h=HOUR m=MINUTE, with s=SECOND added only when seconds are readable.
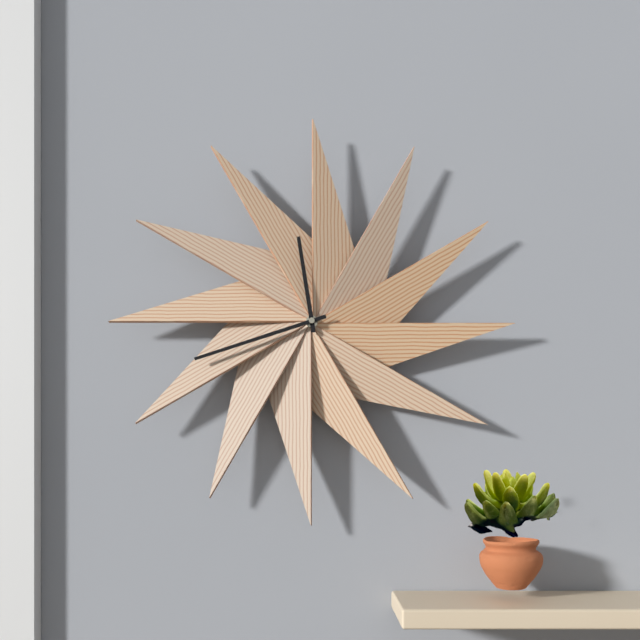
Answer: h=11 m=42
